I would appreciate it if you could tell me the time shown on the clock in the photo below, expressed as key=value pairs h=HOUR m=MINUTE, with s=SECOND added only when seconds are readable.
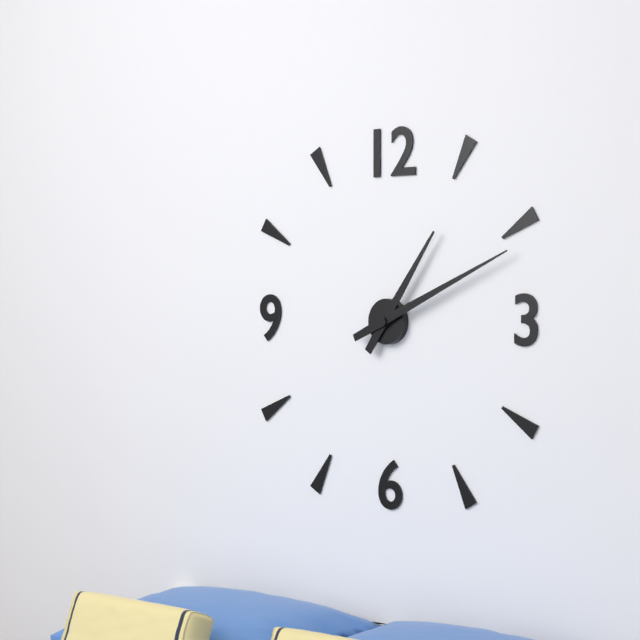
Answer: h=1 m=11
